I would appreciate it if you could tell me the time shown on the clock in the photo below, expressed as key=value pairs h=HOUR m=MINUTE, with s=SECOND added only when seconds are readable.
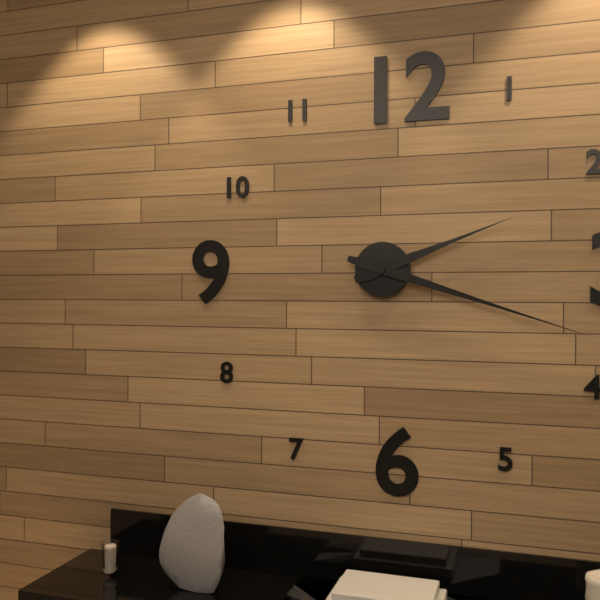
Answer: h=2 m=18
